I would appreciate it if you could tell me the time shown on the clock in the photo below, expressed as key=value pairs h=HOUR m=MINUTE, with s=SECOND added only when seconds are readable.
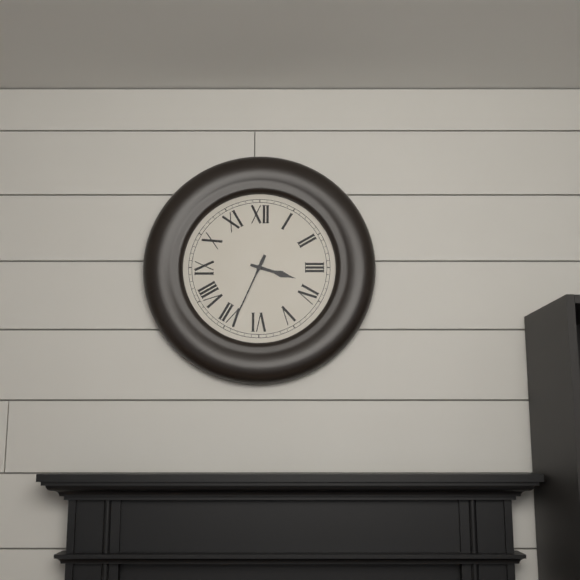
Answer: h=3 m=34
